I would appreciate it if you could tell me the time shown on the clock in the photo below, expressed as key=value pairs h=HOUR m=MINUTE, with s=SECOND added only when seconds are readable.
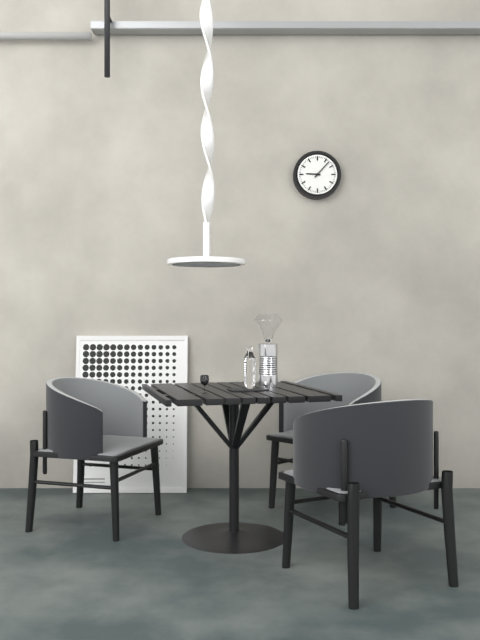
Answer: h=9 m=7
